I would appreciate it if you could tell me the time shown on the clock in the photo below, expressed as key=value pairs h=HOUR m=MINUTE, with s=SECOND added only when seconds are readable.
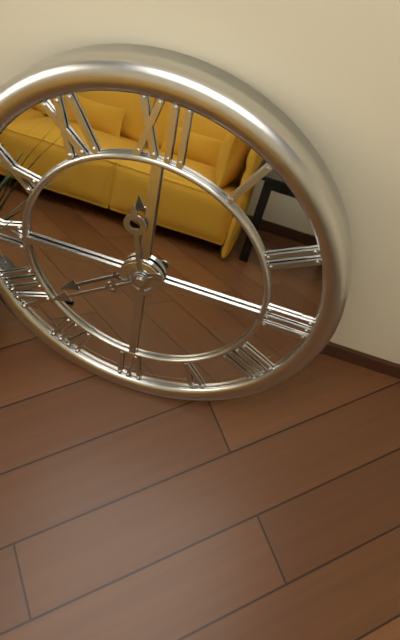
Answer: h=11 m=39
